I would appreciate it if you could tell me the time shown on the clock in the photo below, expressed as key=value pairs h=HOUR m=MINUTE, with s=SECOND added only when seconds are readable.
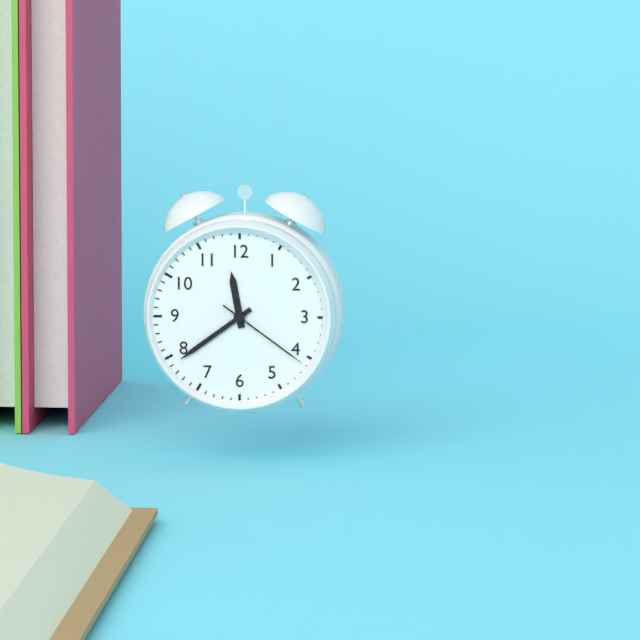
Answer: h=11 m=39 s=21
